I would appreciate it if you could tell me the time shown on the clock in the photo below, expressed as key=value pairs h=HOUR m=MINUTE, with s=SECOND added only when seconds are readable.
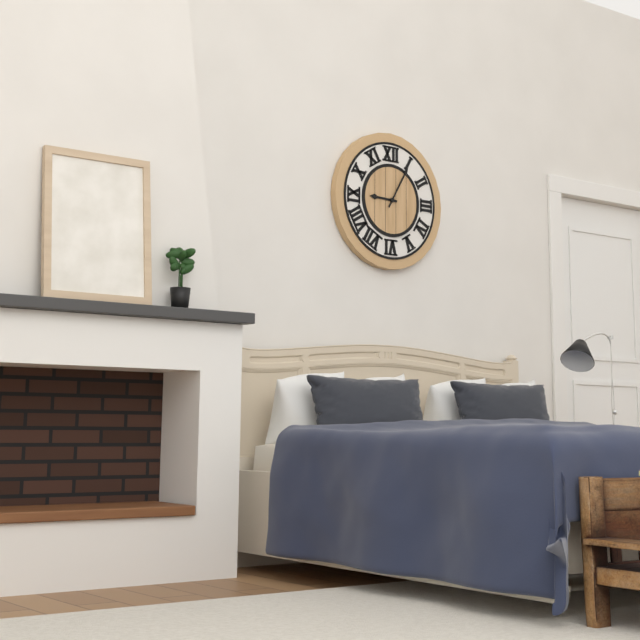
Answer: h=9 m=5
